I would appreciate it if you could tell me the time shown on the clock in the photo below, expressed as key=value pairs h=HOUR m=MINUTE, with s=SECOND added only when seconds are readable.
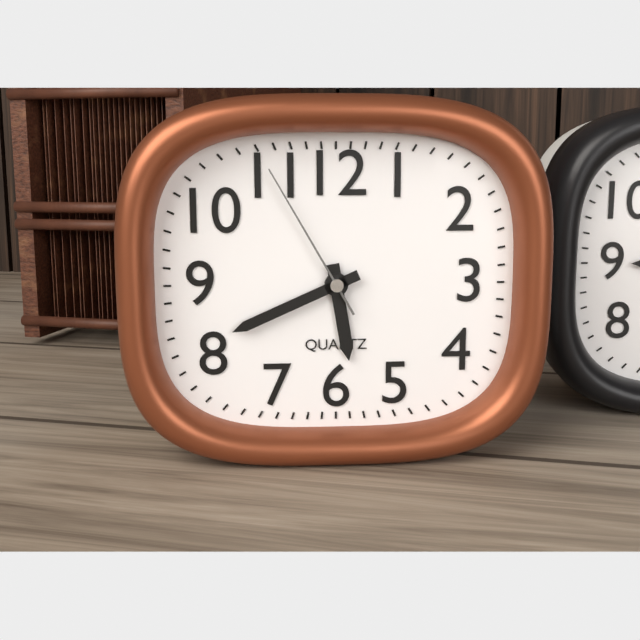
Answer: h=5 m=41 s=55
